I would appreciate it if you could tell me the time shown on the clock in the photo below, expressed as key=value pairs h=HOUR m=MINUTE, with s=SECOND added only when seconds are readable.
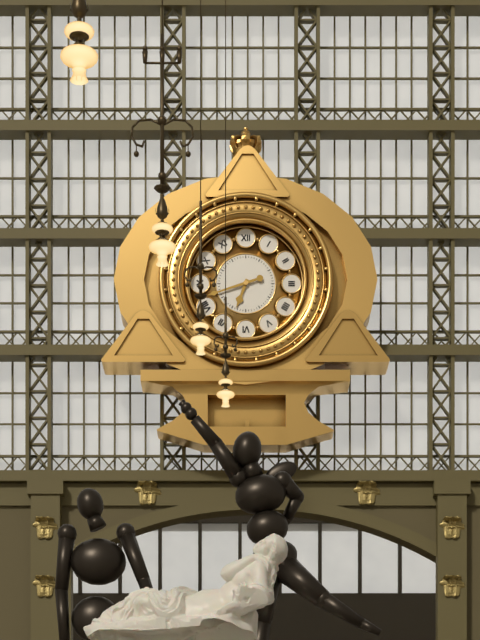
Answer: h=6 m=42
